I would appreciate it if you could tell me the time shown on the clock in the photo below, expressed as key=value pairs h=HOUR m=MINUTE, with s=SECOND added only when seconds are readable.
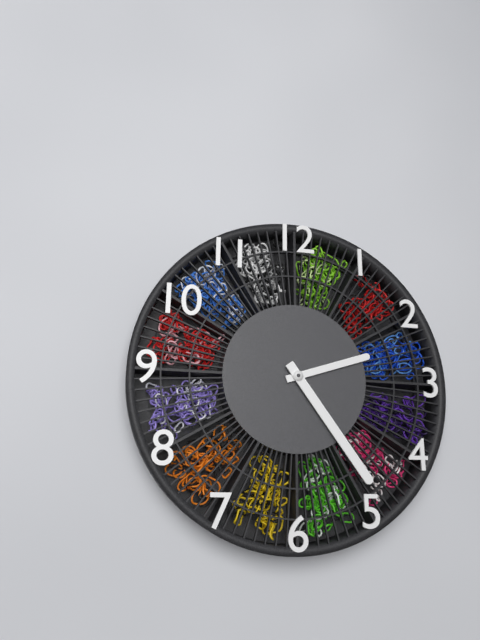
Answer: h=2 m=24
